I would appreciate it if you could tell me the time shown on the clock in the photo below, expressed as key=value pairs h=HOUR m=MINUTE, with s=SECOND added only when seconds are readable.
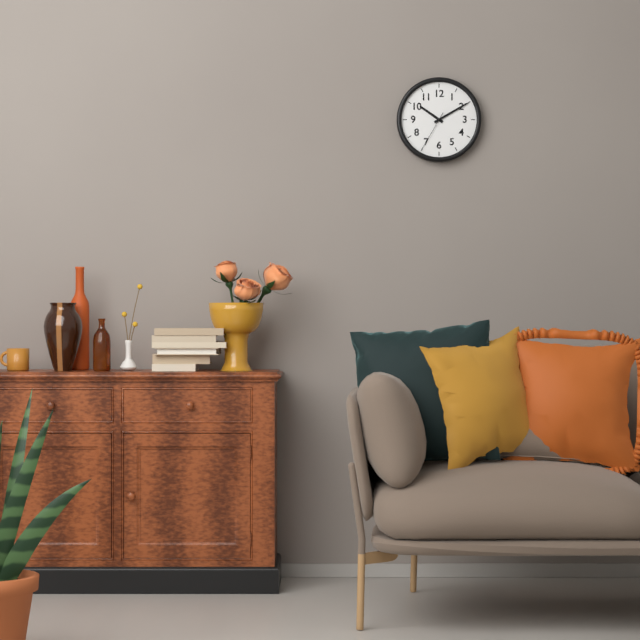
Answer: h=10 m=10
